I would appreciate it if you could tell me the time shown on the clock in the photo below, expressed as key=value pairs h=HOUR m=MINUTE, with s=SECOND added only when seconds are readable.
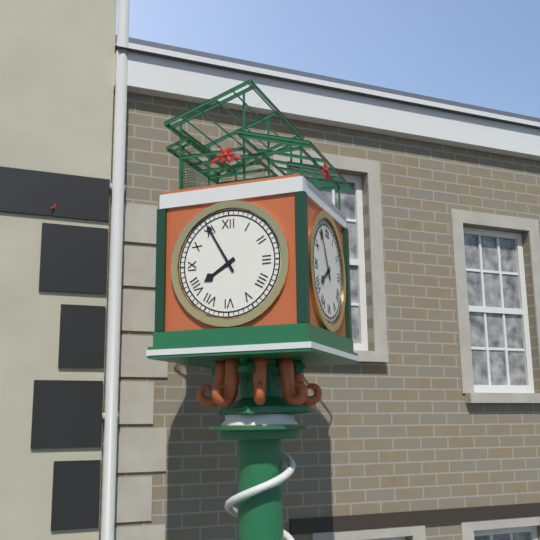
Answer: h=7 m=55
